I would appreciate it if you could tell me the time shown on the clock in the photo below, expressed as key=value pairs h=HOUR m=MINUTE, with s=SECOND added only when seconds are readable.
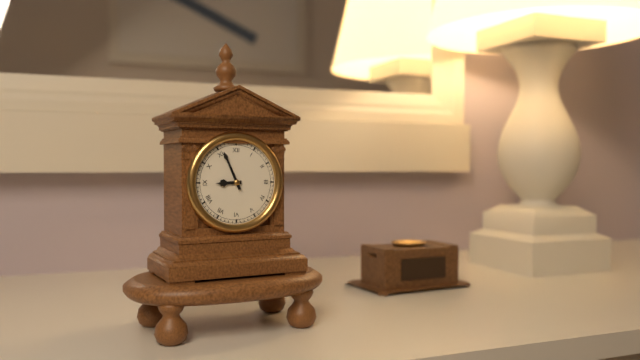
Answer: h=8 m=56
